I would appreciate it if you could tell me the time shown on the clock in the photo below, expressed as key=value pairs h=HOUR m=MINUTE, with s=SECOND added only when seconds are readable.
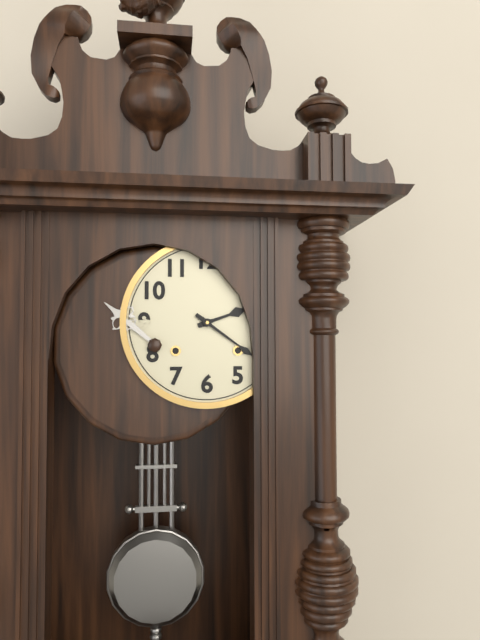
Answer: h=2 m=21
